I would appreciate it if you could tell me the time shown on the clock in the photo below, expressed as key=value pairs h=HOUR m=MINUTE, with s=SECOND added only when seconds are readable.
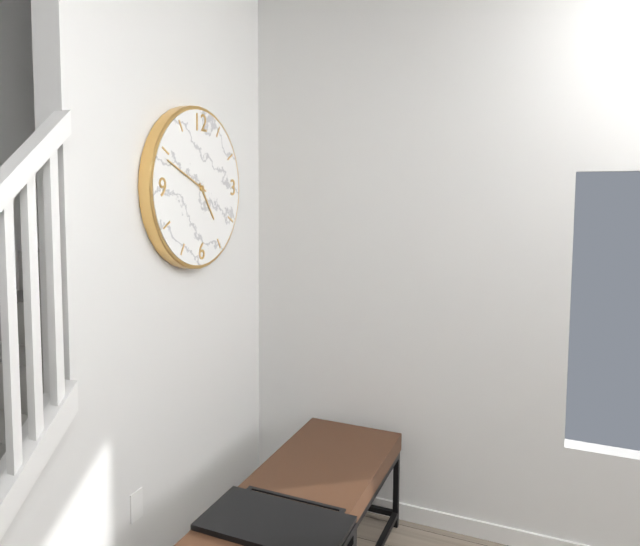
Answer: h=4 m=49
